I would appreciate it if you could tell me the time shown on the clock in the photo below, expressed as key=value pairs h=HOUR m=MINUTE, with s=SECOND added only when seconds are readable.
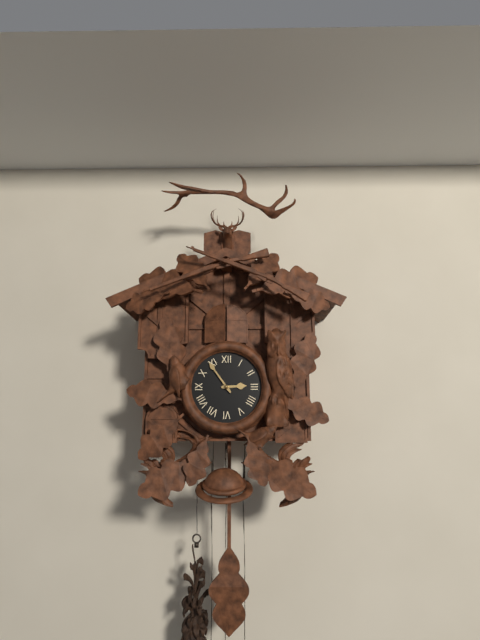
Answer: h=2 m=54
